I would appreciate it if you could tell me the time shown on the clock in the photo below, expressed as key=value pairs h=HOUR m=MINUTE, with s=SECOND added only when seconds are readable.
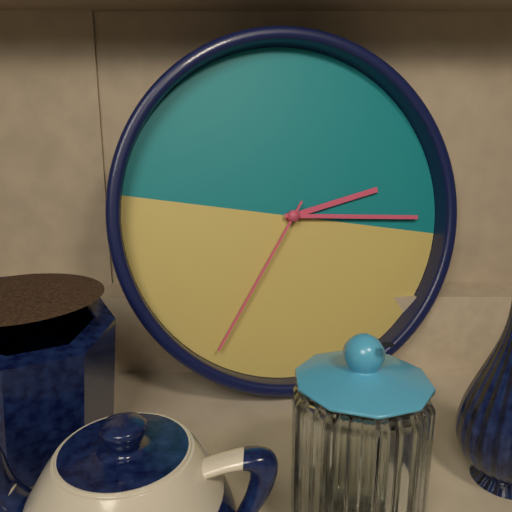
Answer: h=2 m=14 s=34
